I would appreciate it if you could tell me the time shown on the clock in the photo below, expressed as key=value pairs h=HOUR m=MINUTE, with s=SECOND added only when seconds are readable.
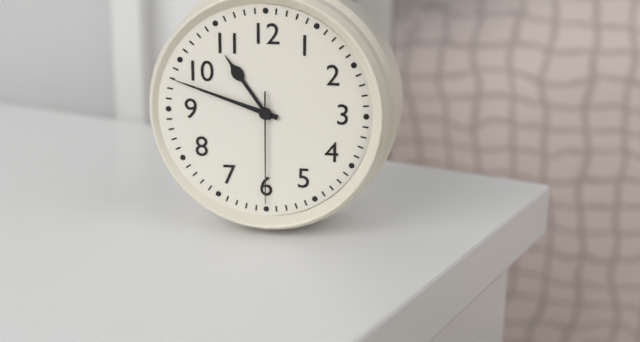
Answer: h=10 m=48 s=30
